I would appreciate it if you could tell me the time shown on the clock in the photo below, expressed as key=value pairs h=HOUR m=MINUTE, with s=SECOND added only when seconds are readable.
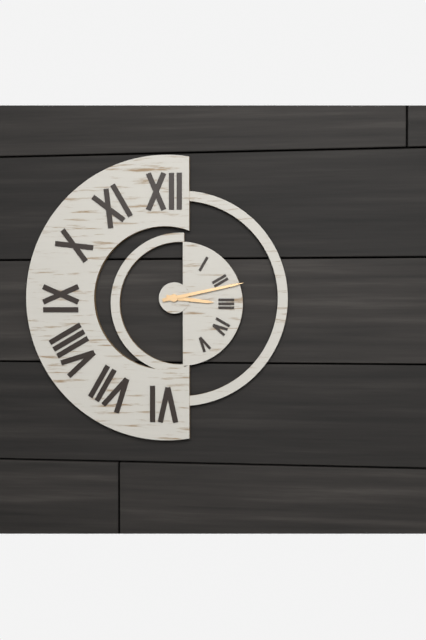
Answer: h=3 m=13
